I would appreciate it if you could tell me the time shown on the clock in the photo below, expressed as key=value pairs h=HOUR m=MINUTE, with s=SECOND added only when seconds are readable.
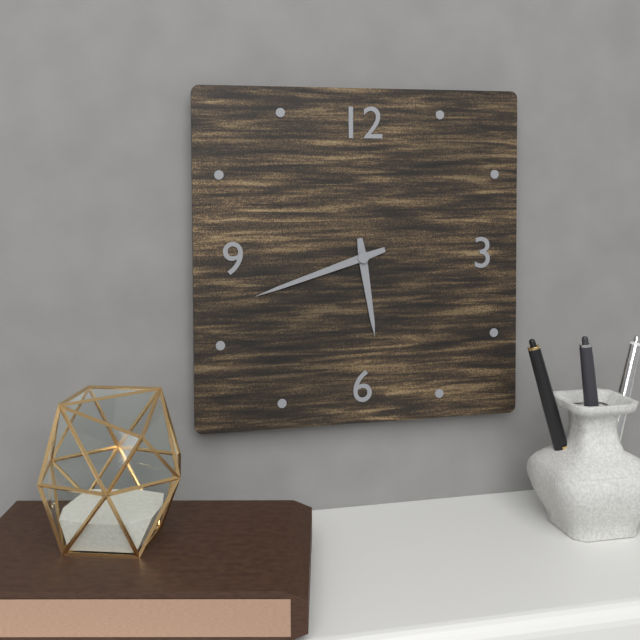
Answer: h=5 m=42
